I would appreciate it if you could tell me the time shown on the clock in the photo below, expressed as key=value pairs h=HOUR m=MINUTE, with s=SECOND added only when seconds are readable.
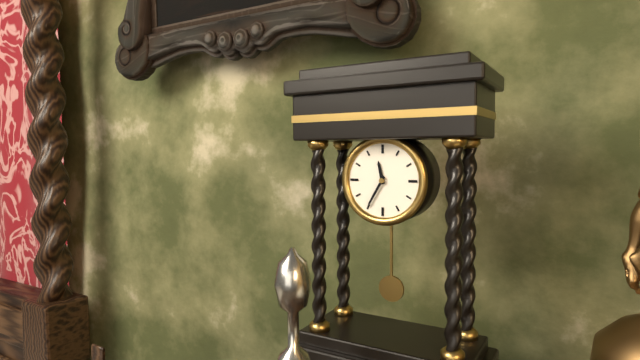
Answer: h=11 m=35
